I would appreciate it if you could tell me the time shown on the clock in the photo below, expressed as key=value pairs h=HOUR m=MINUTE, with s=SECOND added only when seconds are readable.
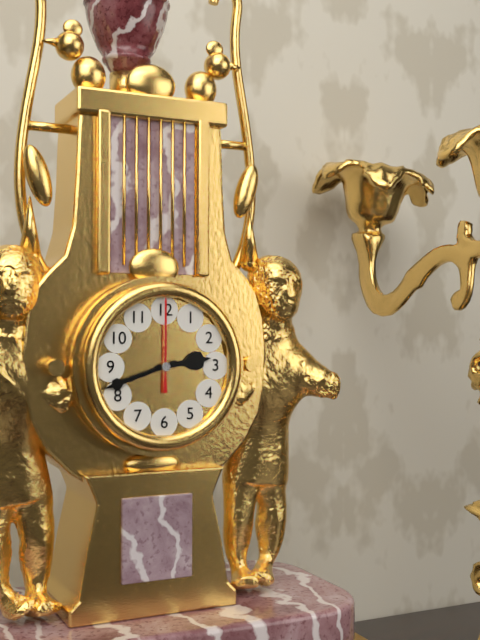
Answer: h=2 m=42 s=0
